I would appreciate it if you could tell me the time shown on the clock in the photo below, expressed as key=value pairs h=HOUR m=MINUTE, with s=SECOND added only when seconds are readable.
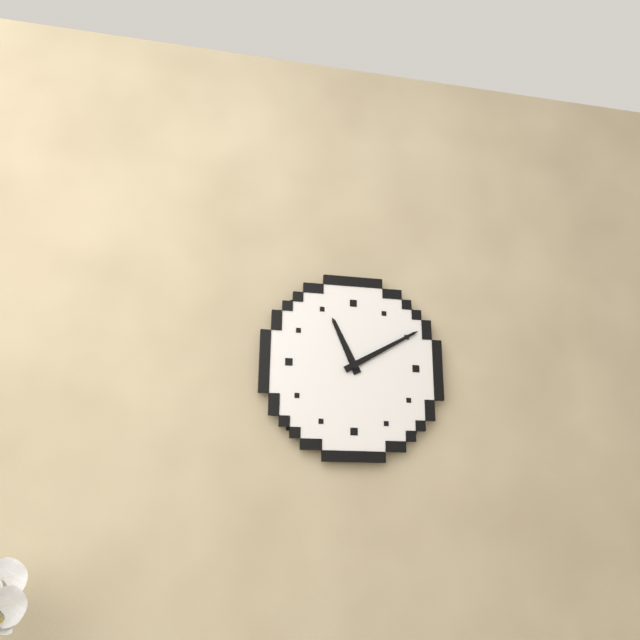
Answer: h=11 m=10
